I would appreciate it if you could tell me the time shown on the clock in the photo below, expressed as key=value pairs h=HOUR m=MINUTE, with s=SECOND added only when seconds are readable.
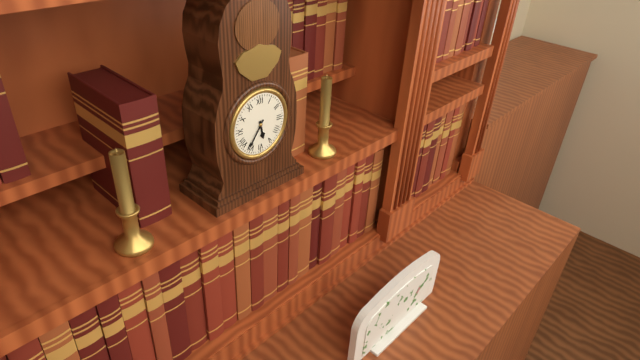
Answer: h=5 m=36
